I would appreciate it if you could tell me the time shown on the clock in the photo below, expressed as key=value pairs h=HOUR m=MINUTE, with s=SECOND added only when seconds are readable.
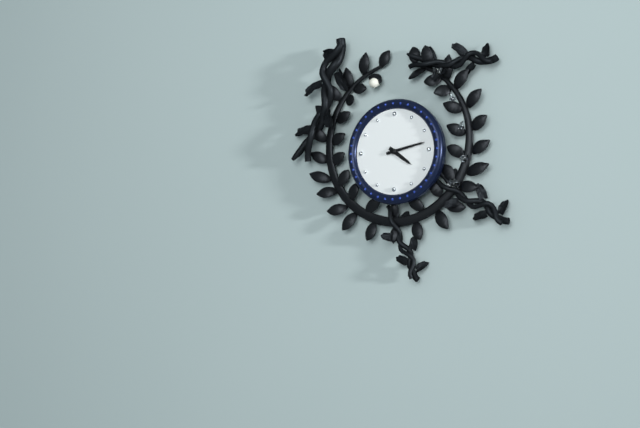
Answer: h=4 m=13
